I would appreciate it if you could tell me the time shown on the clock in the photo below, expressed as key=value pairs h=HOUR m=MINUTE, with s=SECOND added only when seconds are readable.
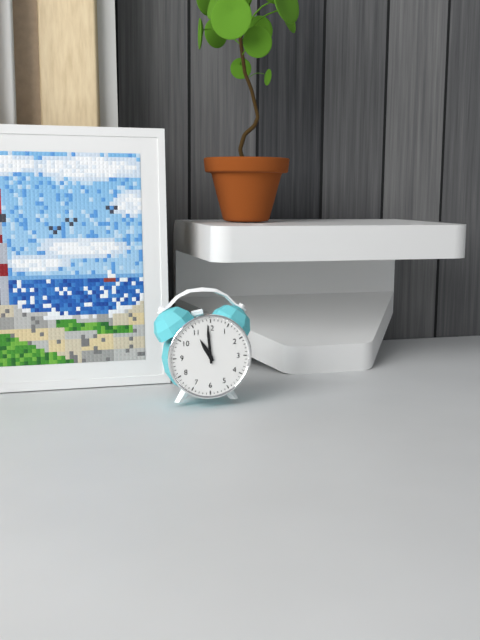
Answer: h=10 m=59
